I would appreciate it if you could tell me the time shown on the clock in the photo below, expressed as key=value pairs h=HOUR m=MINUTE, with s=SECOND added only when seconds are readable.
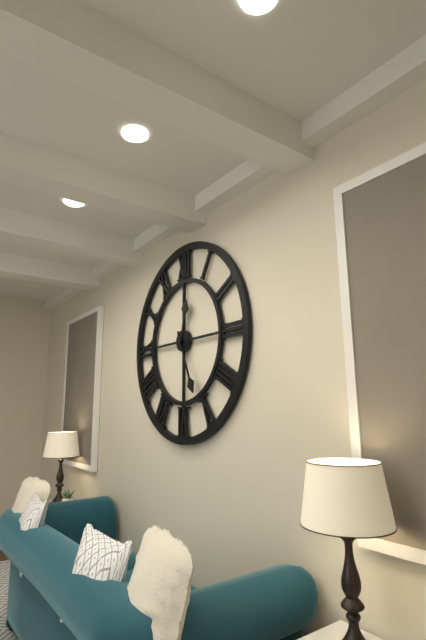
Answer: h=12 m=26
